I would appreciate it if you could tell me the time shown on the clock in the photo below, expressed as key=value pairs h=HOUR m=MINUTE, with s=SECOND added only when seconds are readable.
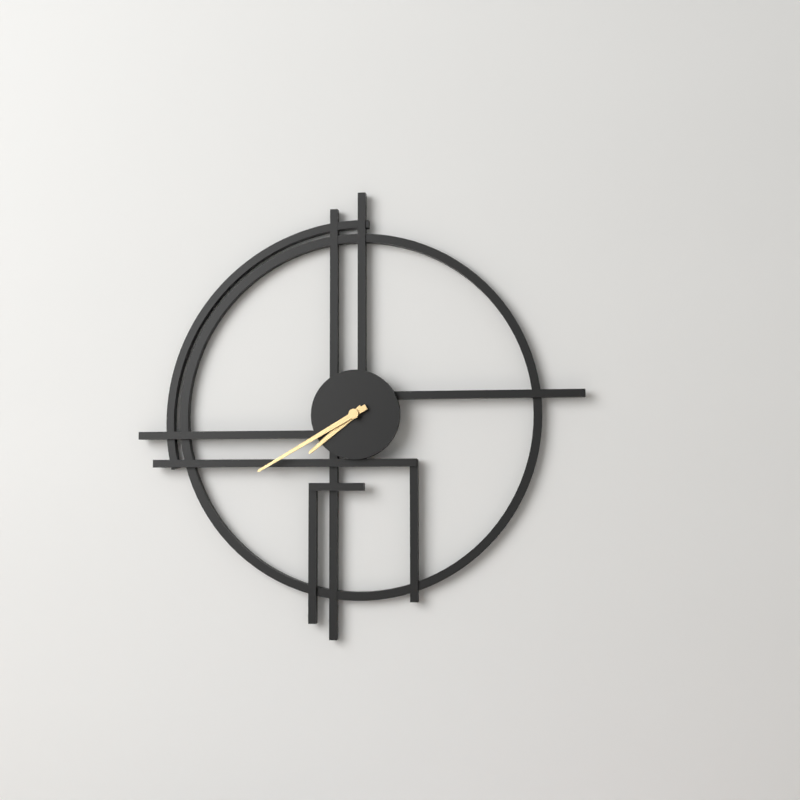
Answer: h=7 m=40
